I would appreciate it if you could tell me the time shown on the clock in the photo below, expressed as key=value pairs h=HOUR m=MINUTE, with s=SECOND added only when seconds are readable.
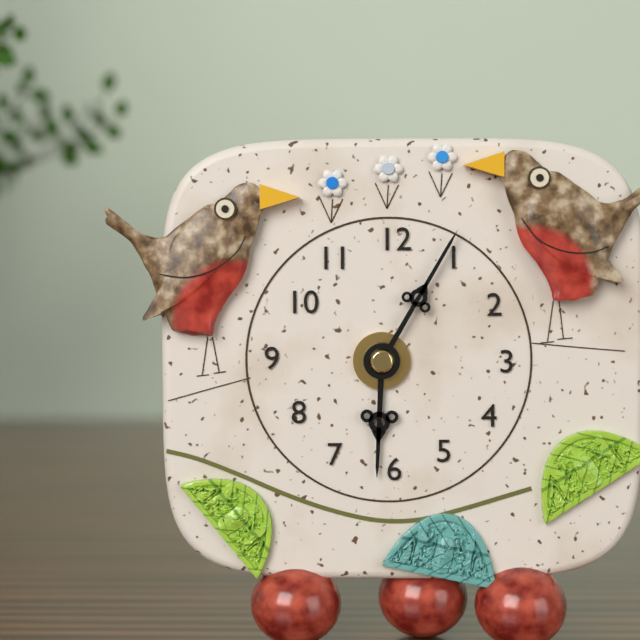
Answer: h=6 m=5
